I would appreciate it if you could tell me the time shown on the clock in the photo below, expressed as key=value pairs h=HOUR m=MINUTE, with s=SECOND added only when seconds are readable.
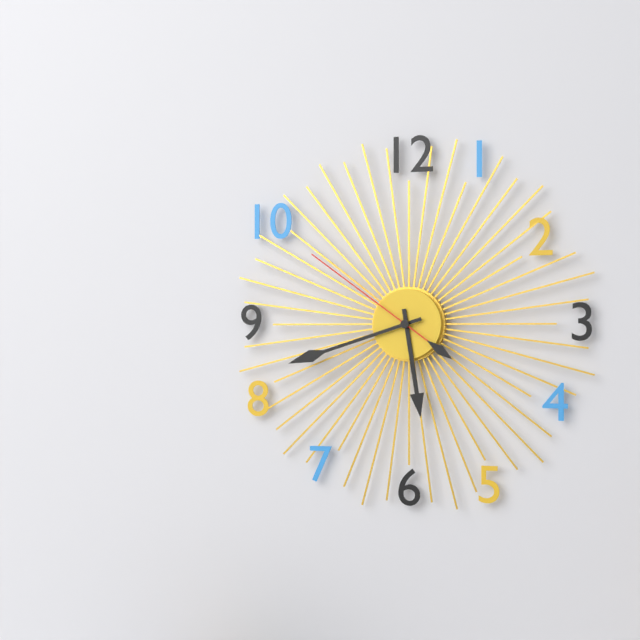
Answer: h=5 m=42 s=51
